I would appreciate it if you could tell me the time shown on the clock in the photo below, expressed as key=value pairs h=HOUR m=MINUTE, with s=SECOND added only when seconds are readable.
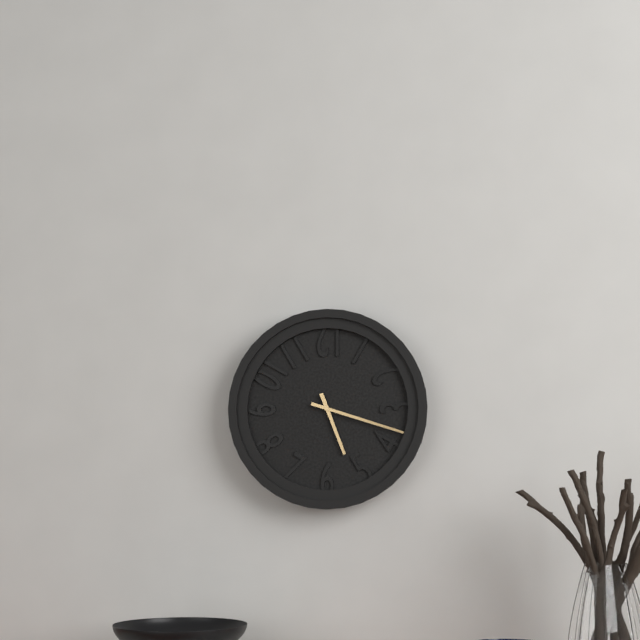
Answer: h=5 m=18
